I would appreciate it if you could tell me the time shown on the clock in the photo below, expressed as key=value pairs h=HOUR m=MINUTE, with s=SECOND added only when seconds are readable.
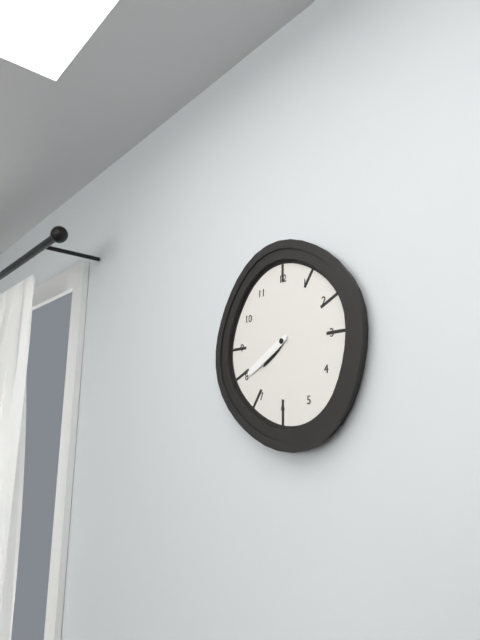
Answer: h=7 m=40
